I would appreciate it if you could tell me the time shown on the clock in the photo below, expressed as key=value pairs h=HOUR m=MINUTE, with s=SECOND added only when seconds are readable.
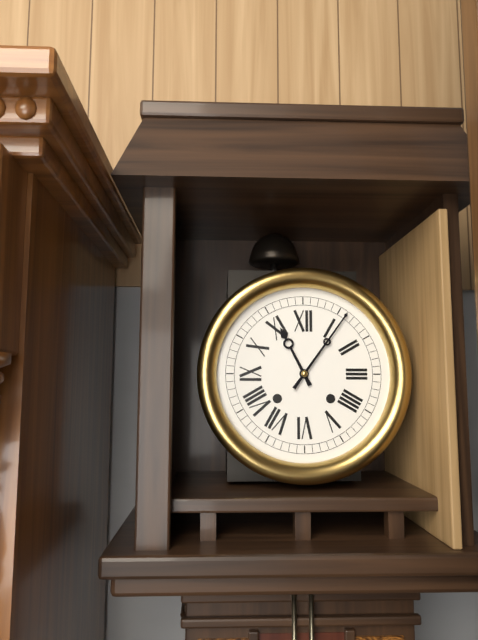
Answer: h=11 m=6
